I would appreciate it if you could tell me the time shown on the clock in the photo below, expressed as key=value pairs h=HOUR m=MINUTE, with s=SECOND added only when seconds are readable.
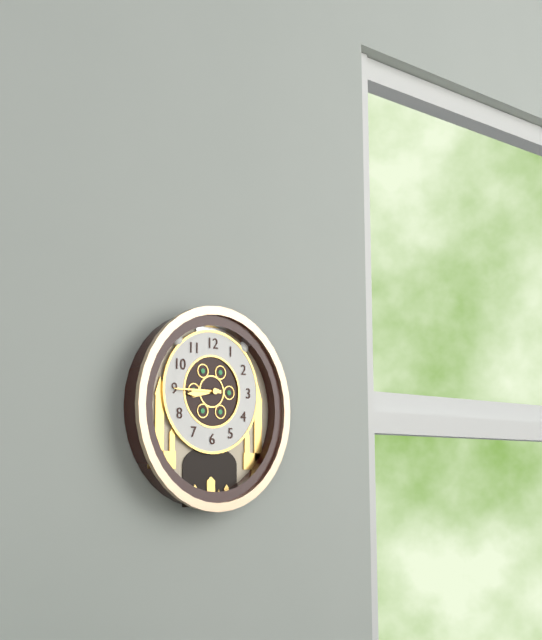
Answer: h=8 m=45
